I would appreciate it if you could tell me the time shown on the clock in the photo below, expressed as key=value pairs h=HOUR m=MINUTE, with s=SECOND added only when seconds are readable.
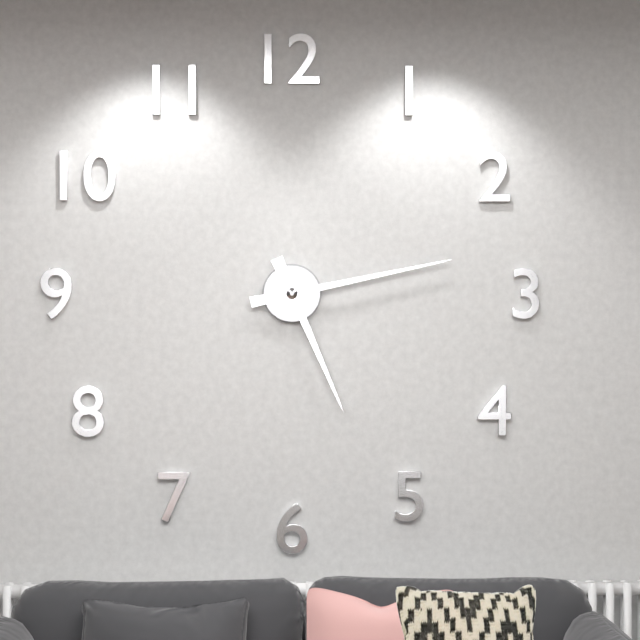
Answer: h=5 m=13
